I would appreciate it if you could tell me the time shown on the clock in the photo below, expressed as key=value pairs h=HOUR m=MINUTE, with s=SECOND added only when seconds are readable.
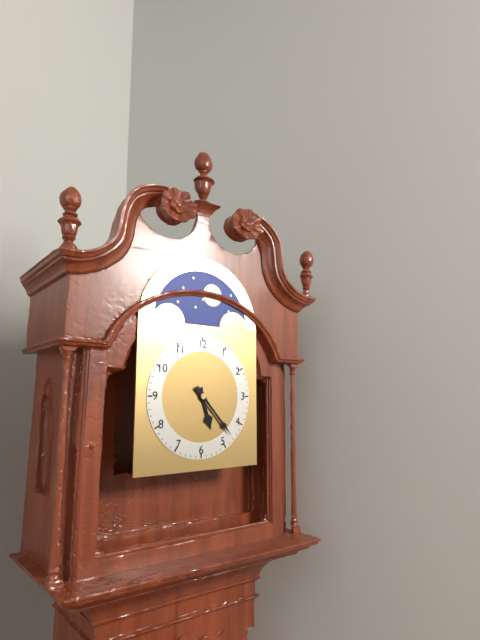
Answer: h=5 m=23
